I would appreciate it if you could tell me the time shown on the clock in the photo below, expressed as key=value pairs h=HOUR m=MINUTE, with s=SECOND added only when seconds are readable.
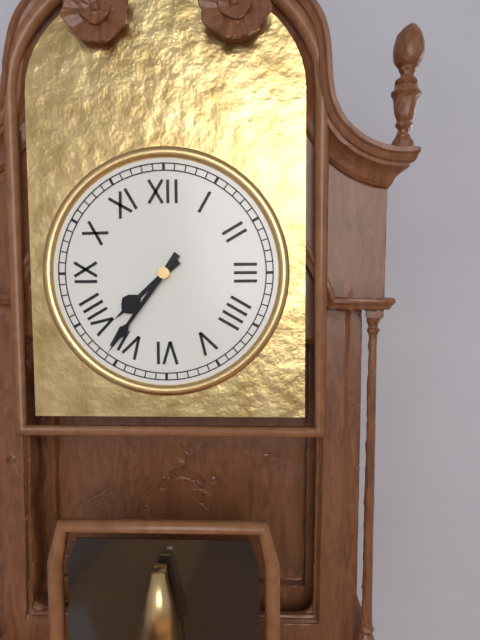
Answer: h=7 m=36
